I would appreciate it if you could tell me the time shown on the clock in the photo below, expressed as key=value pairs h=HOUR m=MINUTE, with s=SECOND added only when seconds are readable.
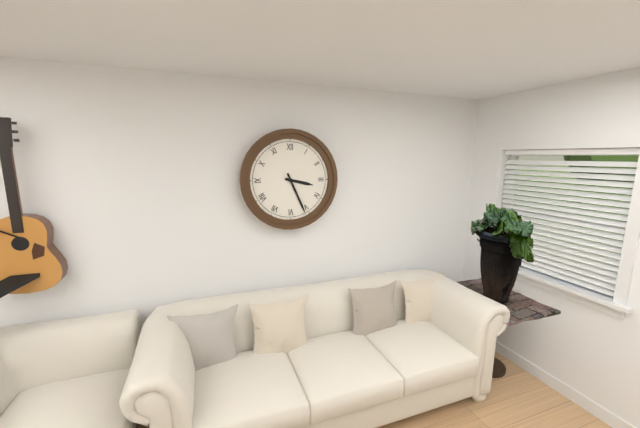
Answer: h=3 m=26
